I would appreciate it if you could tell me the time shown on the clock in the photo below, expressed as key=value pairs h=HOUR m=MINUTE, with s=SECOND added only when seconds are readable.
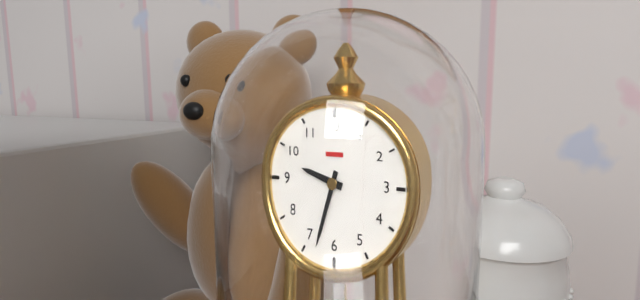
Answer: h=9 m=33
